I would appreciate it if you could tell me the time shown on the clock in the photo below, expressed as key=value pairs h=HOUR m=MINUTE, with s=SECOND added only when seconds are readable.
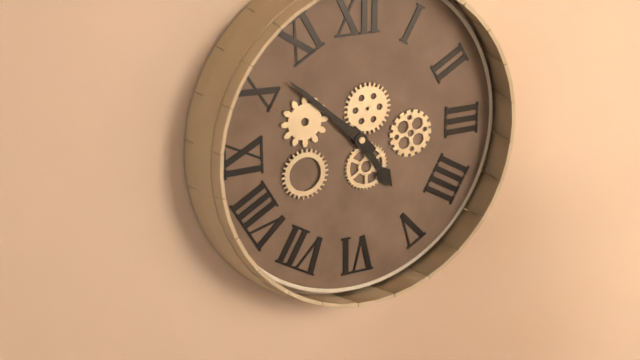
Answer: h=4 m=52
